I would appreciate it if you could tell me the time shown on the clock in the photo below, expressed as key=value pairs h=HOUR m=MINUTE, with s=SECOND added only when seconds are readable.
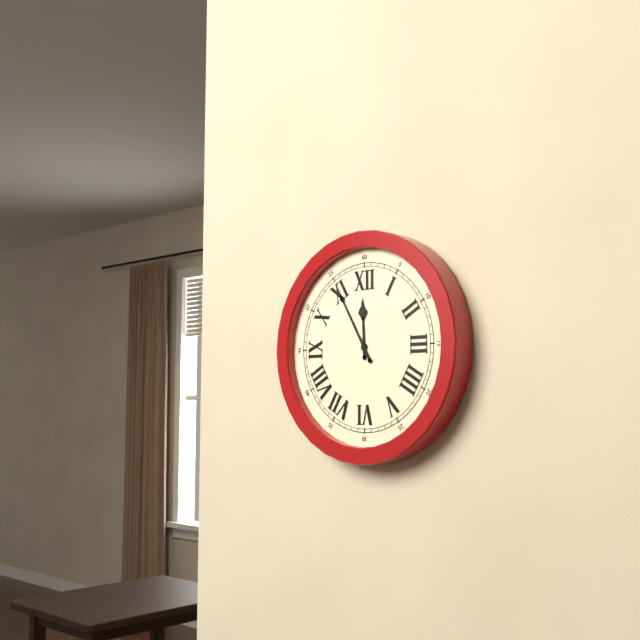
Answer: h=11 m=55
